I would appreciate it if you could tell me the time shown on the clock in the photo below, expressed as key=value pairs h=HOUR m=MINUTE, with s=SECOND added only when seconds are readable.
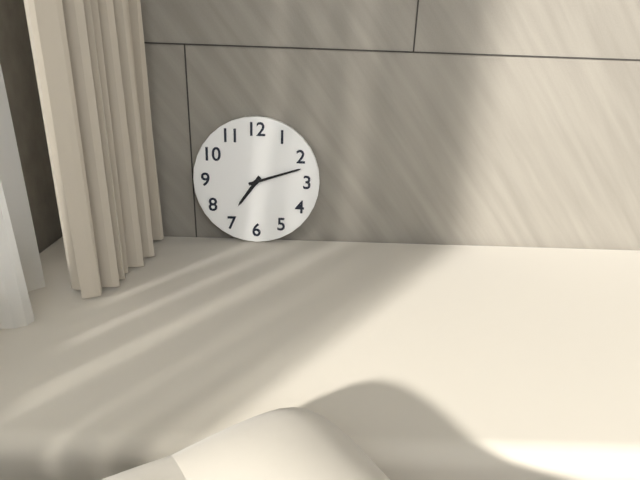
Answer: h=7 m=12
